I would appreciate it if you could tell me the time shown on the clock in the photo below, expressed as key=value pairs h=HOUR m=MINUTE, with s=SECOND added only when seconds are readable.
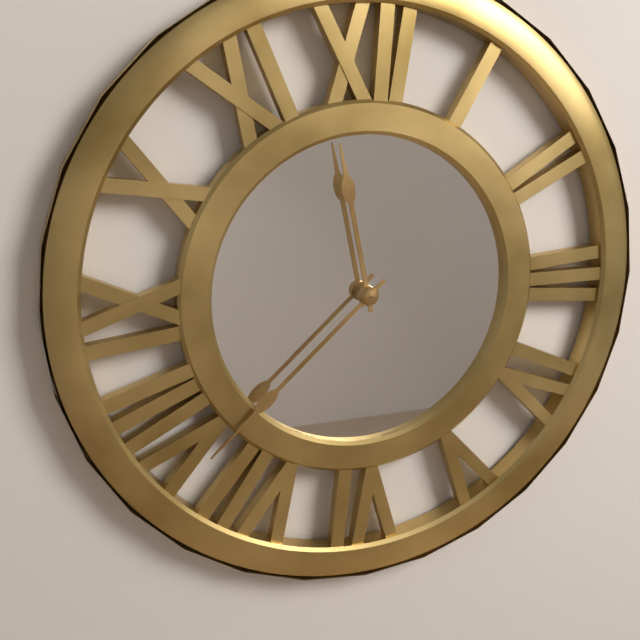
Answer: h=11 m=38
